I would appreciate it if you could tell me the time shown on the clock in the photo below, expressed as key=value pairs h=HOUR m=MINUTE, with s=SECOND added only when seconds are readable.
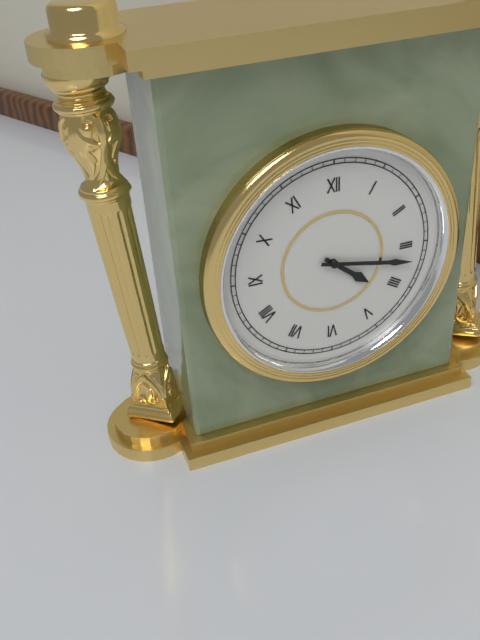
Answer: h=4 m=17
